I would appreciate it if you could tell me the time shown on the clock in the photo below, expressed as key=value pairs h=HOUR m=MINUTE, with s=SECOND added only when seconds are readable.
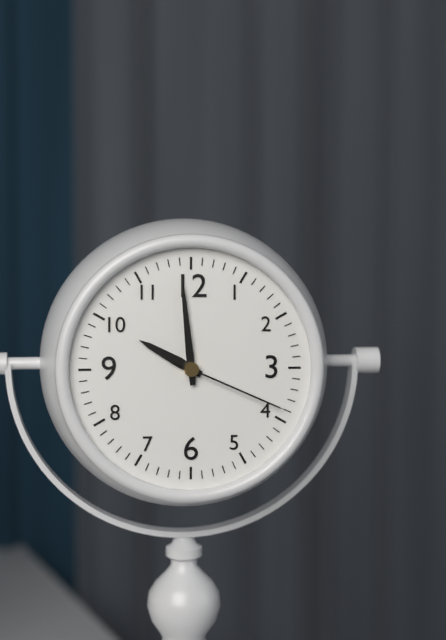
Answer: h=9 m=59 s=19
